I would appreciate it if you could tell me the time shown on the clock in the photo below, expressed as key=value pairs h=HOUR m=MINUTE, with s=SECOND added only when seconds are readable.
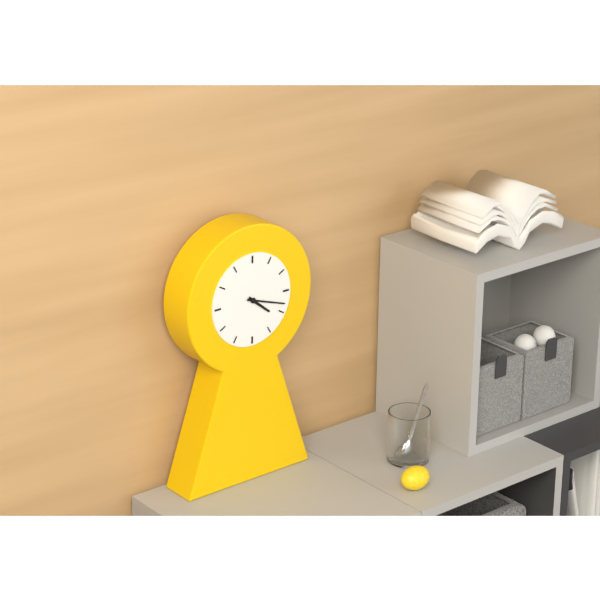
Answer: h=4 m=18
